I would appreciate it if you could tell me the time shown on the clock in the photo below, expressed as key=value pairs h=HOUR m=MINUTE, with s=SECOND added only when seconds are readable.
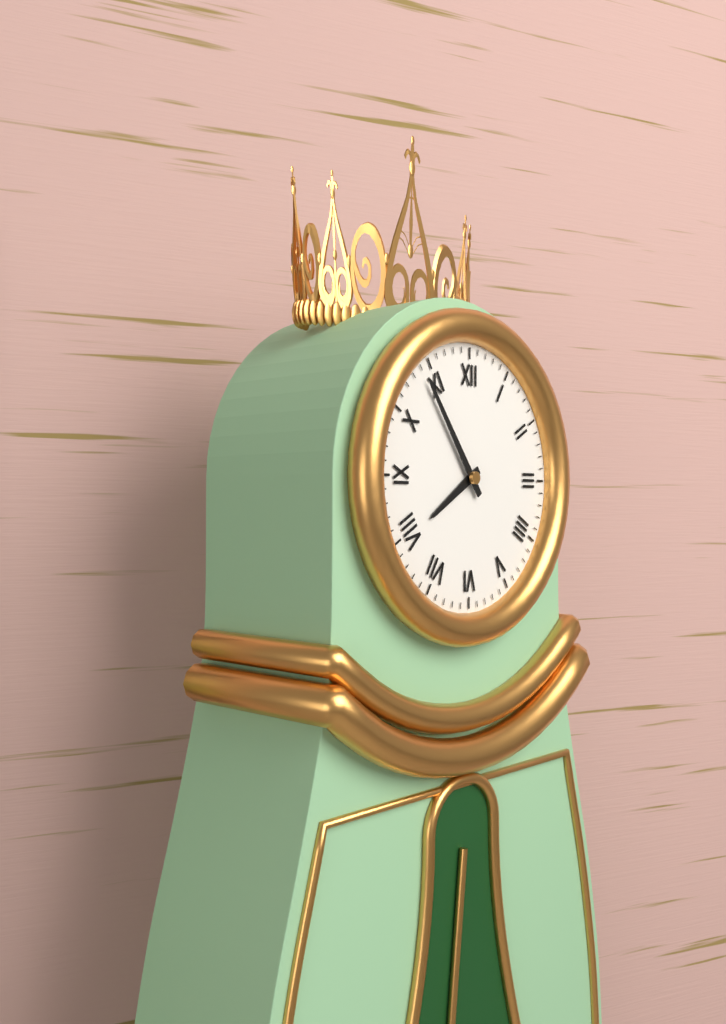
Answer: h=7 m=54
